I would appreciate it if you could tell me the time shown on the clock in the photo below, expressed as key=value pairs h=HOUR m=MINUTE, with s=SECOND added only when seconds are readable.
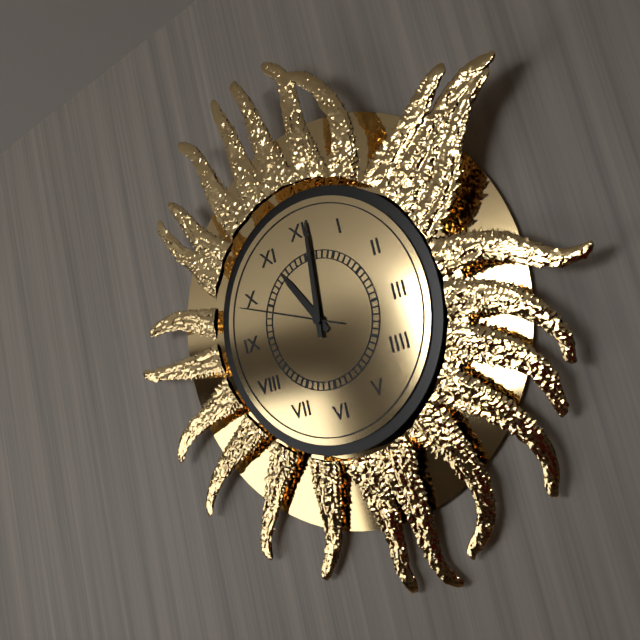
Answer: h=11 m=1 s=49
